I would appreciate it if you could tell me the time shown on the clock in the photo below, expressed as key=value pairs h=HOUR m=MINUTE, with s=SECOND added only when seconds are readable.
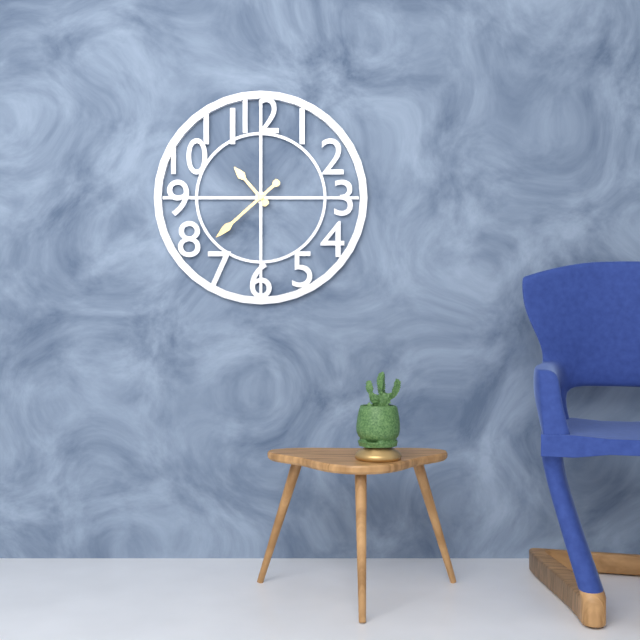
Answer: h=10 m=38
